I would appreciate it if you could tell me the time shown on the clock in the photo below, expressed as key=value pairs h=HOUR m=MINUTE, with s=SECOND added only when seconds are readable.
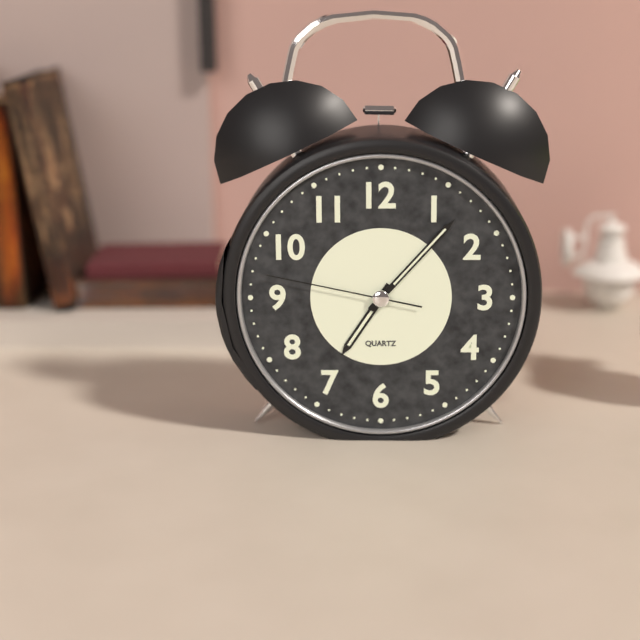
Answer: h=7 m=7 s=47
